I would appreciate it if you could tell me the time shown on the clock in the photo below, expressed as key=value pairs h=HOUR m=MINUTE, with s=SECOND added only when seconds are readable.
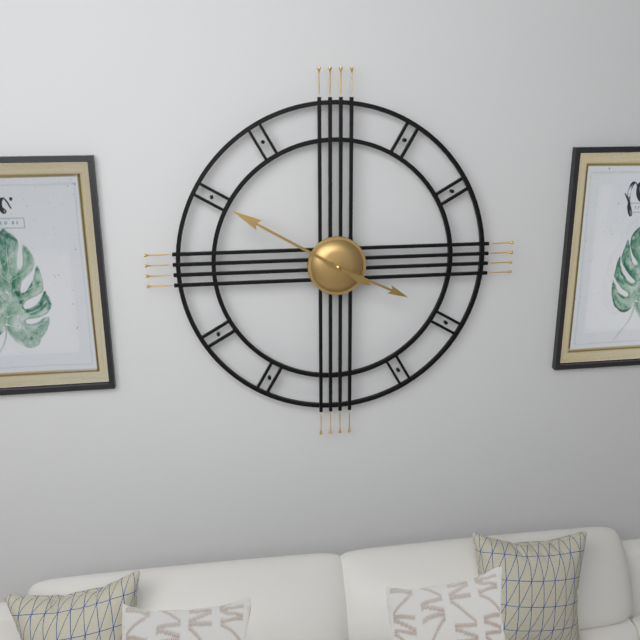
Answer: h=3 m=50
